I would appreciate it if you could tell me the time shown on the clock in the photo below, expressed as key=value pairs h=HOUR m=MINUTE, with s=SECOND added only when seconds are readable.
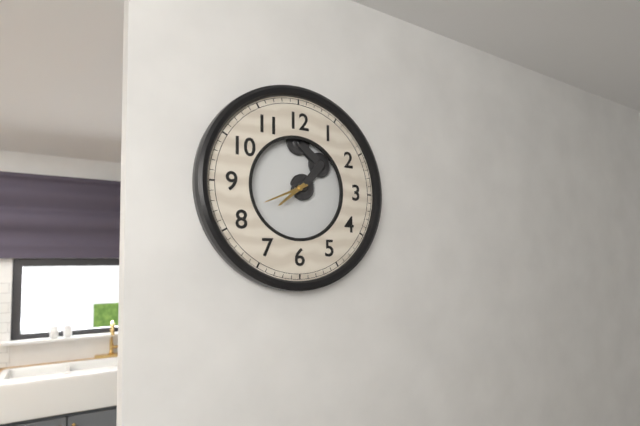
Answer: h=7 m=41
